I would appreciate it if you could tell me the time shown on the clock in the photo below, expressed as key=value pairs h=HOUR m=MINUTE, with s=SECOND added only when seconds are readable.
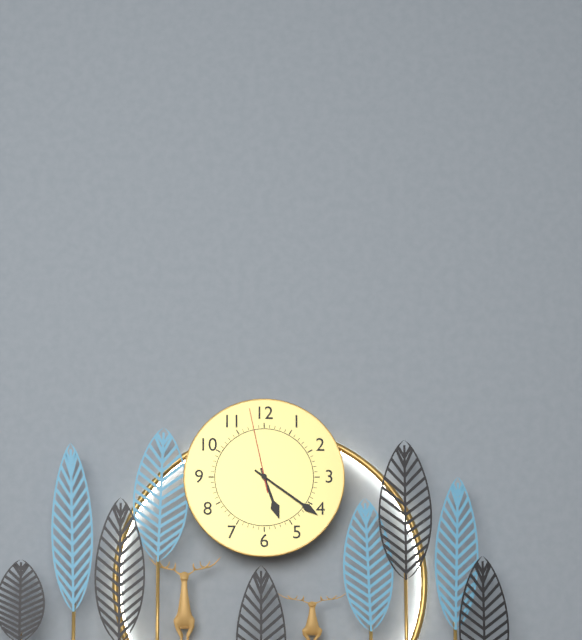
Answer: h=5 m=21 s=58
